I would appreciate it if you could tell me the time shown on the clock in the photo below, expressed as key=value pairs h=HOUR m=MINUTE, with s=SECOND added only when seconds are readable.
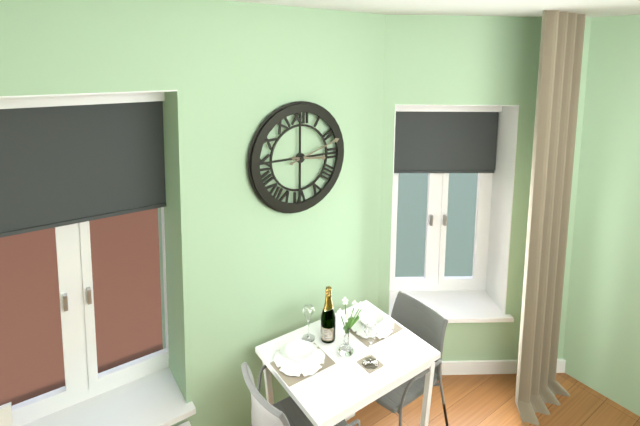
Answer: h=3 m=12
